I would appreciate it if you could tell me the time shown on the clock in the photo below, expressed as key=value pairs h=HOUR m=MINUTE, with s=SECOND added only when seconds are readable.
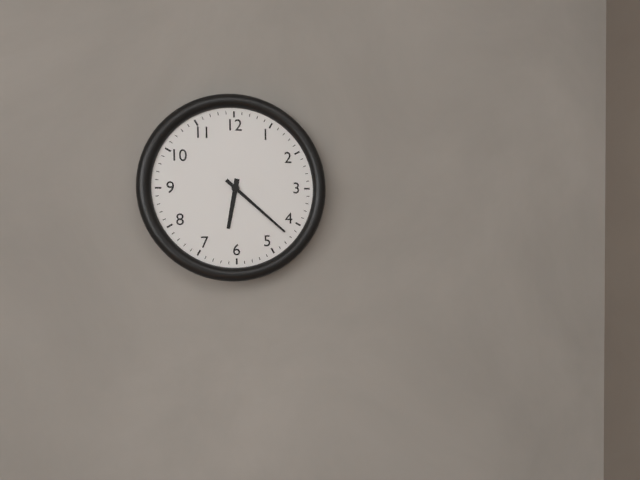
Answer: h=6 m=22
